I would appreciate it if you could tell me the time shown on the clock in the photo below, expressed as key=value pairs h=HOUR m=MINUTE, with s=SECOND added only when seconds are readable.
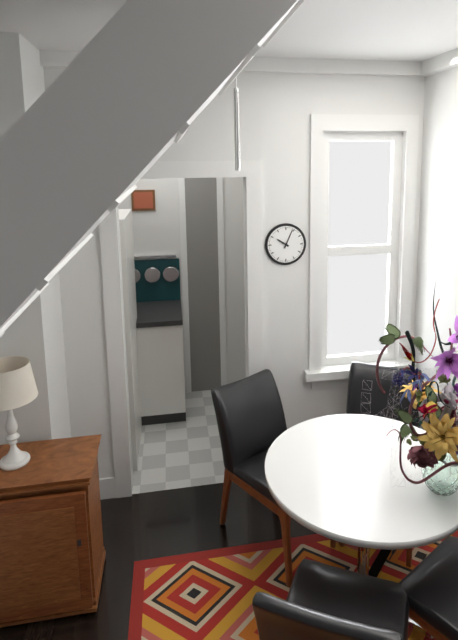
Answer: h=10 m=4
